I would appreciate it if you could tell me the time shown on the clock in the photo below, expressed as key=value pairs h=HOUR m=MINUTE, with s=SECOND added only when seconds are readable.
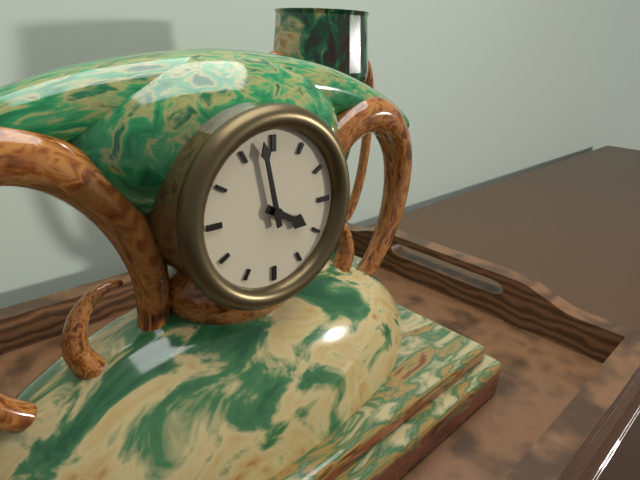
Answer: h=3 m=58
